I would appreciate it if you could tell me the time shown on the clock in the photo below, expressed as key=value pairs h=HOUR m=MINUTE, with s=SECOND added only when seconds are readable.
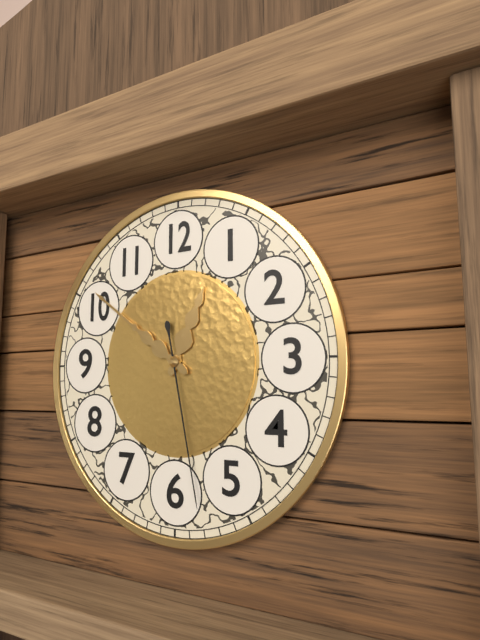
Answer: h=12 m=51 s=28
